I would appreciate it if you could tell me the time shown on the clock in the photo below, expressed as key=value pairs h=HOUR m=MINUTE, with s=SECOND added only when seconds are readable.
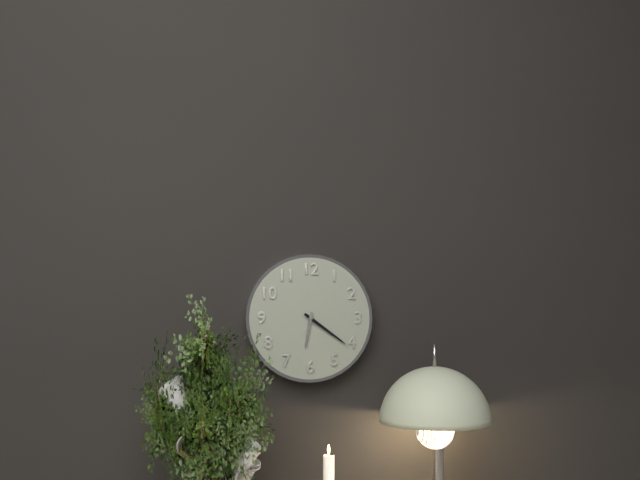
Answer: h=6 m=21
